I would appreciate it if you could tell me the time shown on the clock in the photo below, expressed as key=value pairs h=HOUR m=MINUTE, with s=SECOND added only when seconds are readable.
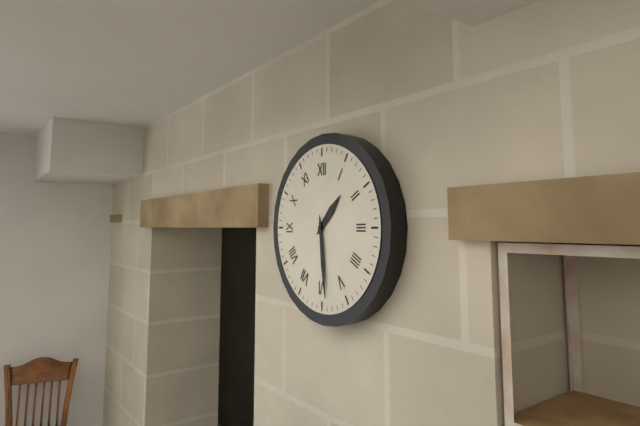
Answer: h=1 m=29
